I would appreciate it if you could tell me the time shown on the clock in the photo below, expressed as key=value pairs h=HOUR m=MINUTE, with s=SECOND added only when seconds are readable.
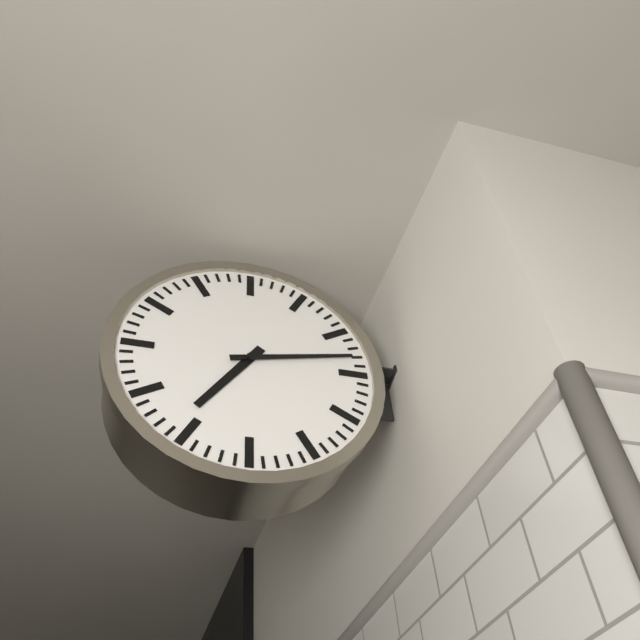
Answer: h=7 m=13
